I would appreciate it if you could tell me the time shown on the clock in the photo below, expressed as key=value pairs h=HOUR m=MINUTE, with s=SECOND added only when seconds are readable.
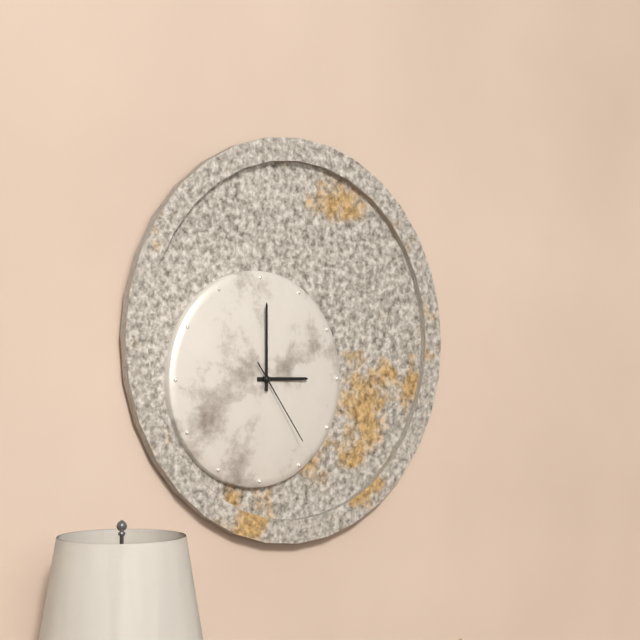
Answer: h=3 m=0 s=24
